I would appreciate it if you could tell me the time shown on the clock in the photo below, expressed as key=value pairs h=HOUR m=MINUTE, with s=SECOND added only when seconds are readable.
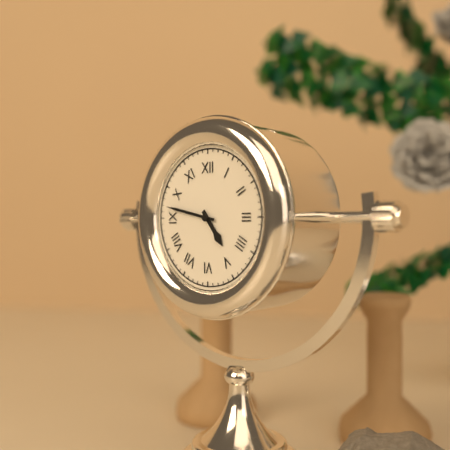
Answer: h=4 m=47
